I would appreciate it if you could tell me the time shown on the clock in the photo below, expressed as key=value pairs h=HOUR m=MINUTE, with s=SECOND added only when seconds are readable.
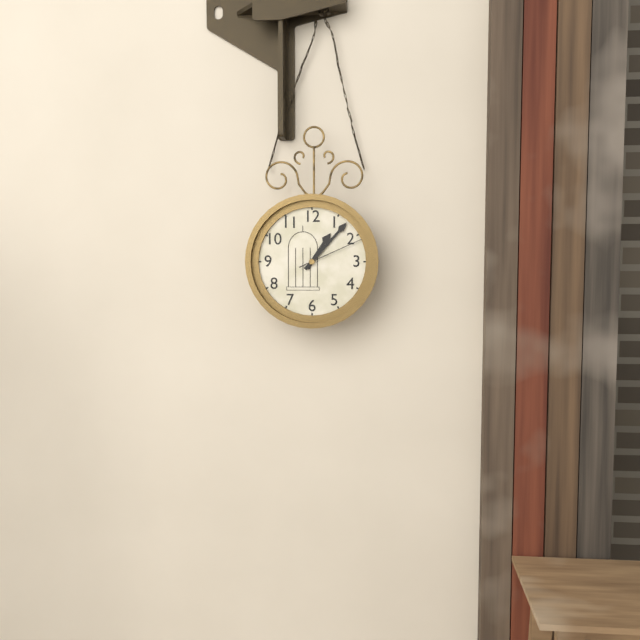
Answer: h=1 m=7 s=11
